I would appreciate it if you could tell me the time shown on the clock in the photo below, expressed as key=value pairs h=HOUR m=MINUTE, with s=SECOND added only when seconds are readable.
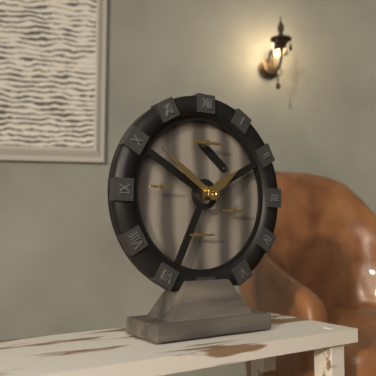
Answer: h=1 m=51
